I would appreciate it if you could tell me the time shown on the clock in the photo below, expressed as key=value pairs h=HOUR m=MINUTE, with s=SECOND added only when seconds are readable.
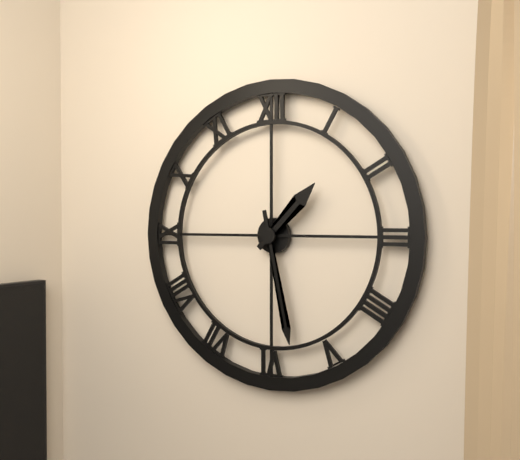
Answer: h=1 m=28
